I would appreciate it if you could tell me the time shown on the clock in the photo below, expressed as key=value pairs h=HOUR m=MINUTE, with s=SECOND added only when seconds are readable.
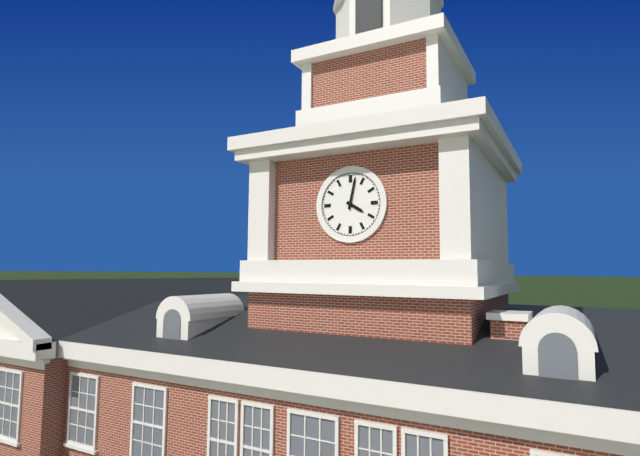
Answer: h=4 m=2
